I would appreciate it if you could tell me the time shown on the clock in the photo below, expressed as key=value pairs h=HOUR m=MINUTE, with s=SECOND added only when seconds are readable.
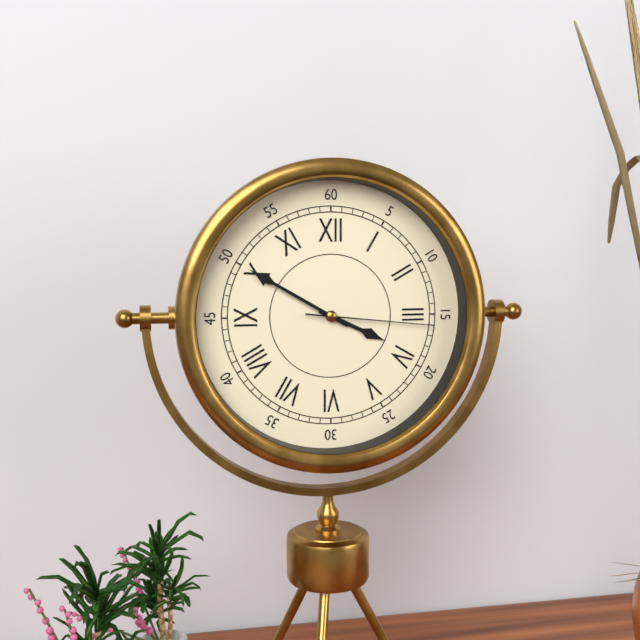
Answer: h=3 m=50 s=16
